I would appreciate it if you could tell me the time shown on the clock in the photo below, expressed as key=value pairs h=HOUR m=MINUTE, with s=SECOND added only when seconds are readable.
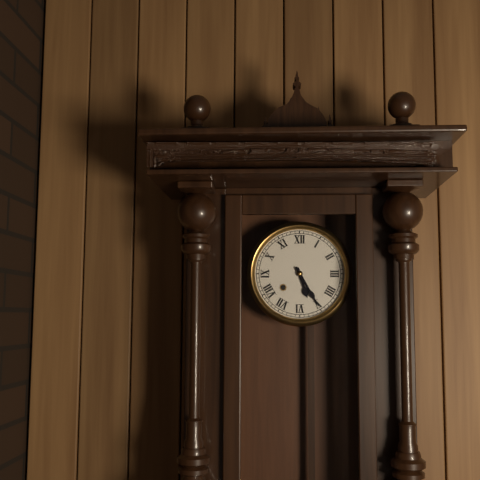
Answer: h=5 m=25
